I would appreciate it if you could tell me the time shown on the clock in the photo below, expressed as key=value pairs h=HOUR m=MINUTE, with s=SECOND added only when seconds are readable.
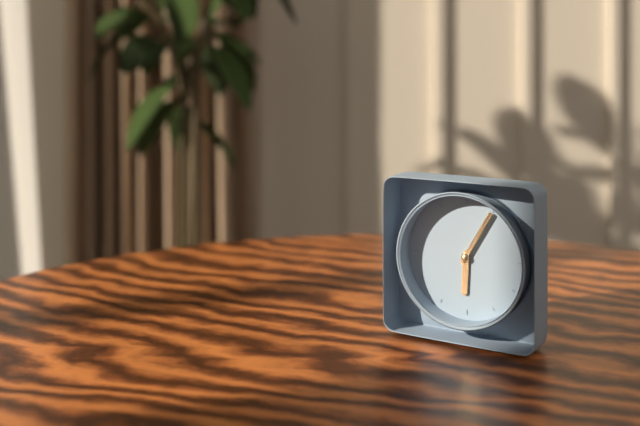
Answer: h=6 m=5
